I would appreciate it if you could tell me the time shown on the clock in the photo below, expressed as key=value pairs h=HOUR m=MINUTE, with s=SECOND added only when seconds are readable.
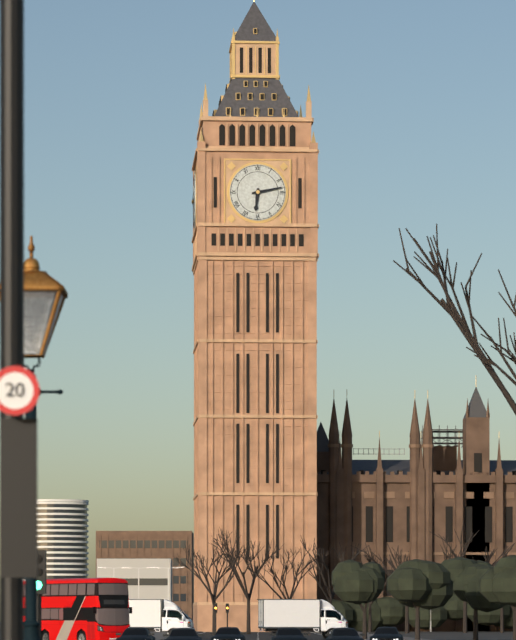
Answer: h=6 m=13
